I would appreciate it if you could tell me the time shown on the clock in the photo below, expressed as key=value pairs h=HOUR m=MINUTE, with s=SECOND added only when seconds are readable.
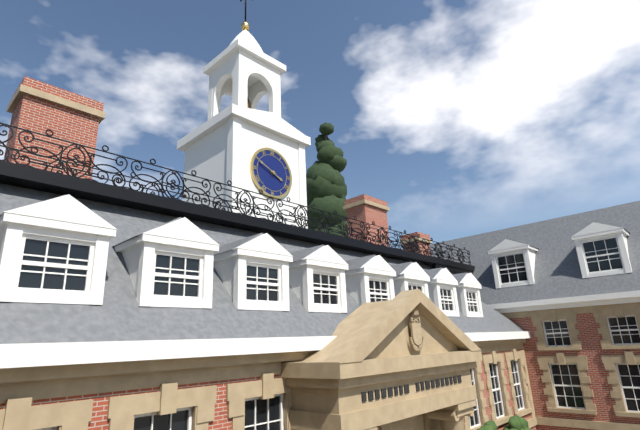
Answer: h=3 m=49
